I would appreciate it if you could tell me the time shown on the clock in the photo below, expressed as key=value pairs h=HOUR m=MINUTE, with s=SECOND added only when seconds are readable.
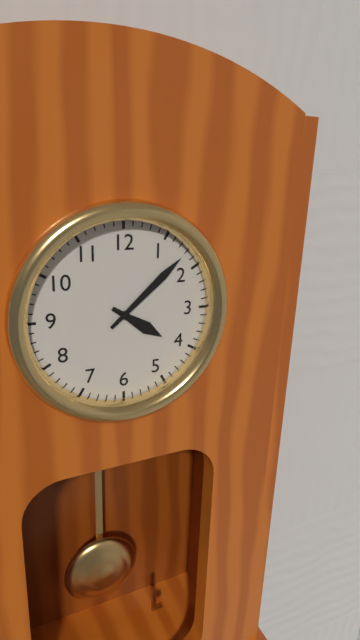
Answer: h=4 m=8
